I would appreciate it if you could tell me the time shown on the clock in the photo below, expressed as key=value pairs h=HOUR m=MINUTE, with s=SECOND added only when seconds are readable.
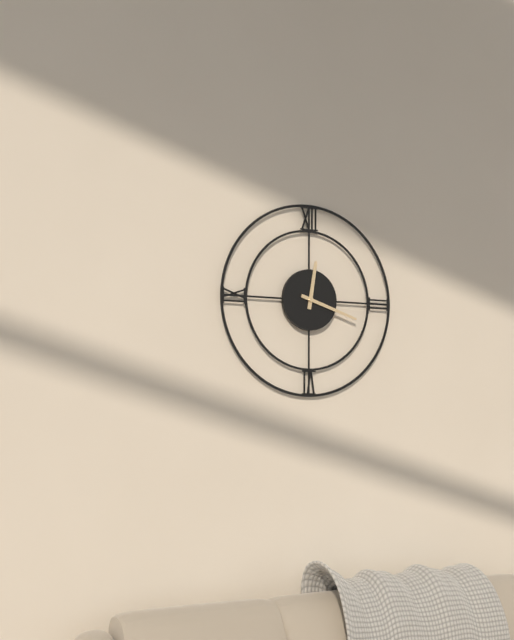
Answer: h=12 m=18
